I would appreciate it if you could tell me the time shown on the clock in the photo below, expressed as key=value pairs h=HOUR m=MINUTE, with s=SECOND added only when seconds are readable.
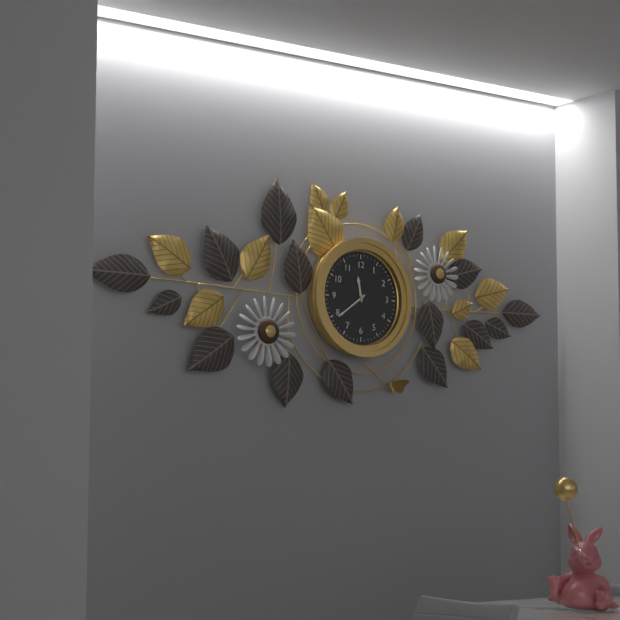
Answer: h=11 m=39
